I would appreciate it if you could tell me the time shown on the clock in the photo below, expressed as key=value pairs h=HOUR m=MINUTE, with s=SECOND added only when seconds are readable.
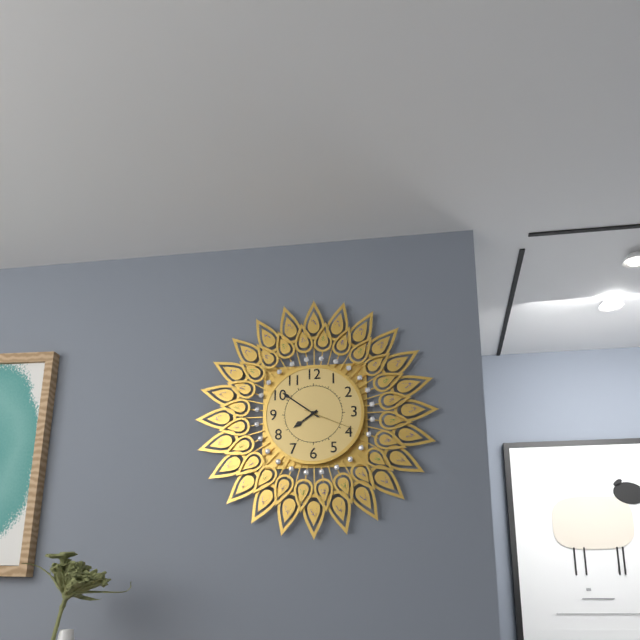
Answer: h=7 m=51 s=19
